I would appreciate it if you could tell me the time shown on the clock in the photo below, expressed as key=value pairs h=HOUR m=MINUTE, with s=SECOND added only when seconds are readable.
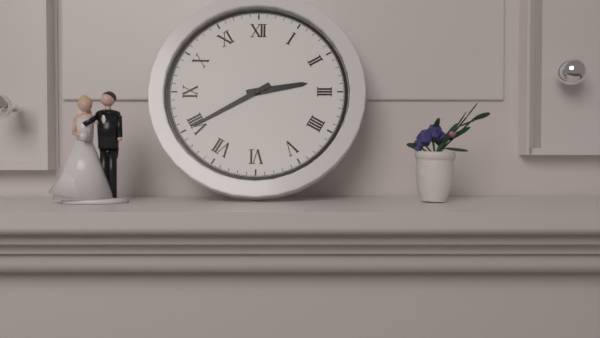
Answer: h=2 m=40
